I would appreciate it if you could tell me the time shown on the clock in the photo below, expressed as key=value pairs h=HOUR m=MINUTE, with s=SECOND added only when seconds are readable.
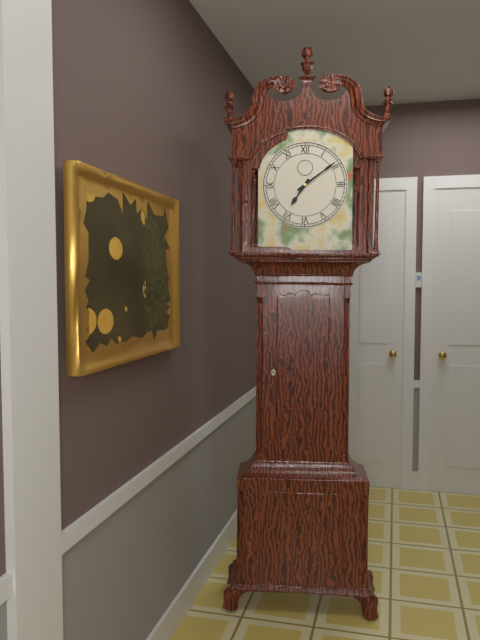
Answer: h=7 m=9
